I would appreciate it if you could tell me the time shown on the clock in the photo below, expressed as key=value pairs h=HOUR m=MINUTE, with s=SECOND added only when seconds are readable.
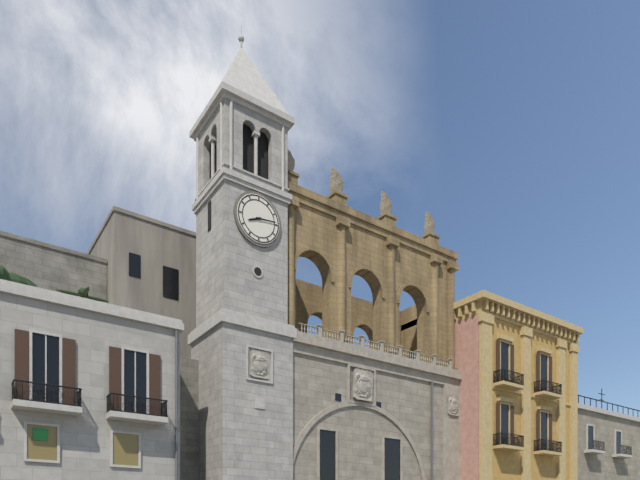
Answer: h=8 m=14
